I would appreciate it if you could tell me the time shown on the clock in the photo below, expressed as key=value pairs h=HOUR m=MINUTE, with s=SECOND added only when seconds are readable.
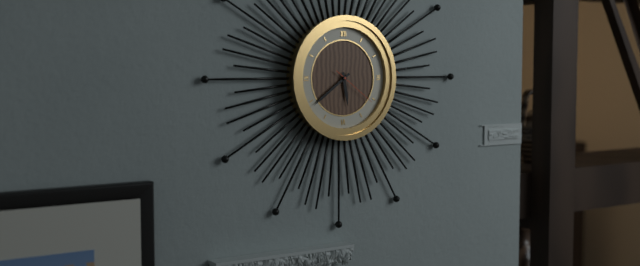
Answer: h=5 m=39 s=21
